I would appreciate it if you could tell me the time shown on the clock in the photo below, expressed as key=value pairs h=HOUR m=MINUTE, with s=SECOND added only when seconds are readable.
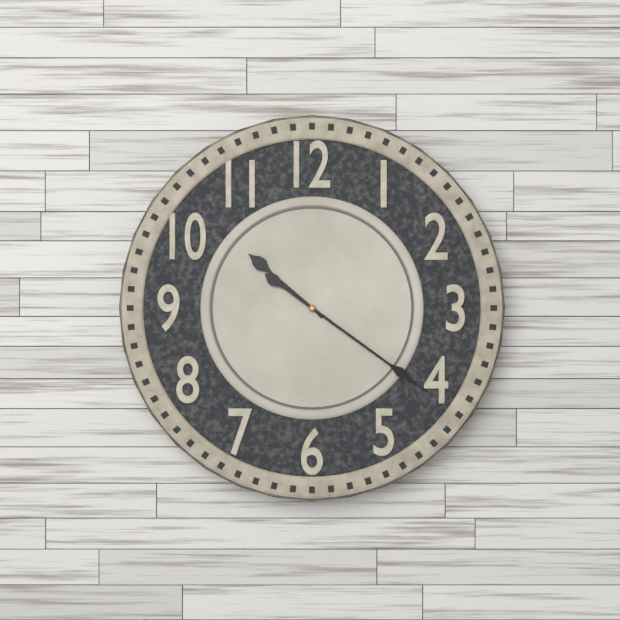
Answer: h=10 m=21
